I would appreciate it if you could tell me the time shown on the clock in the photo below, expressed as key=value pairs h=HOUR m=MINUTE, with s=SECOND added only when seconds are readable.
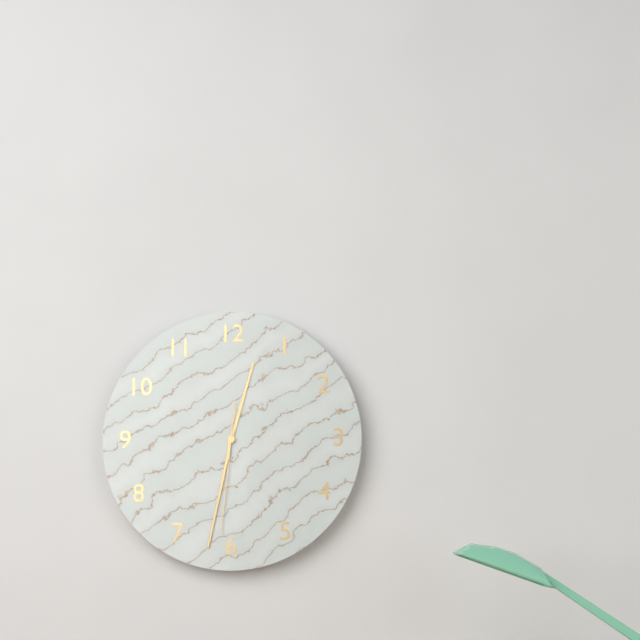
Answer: h=12 m=32 s=31
